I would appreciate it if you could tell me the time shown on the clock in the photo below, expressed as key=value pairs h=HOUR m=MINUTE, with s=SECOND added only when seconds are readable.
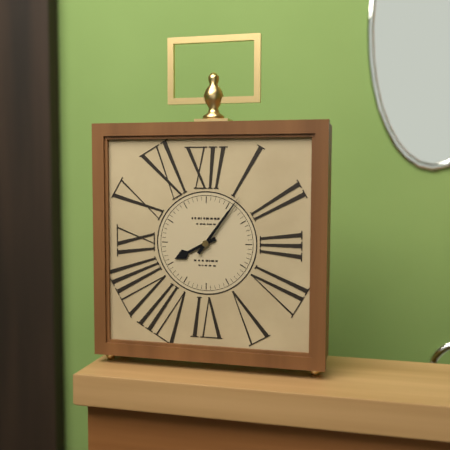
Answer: h=8 m=6
